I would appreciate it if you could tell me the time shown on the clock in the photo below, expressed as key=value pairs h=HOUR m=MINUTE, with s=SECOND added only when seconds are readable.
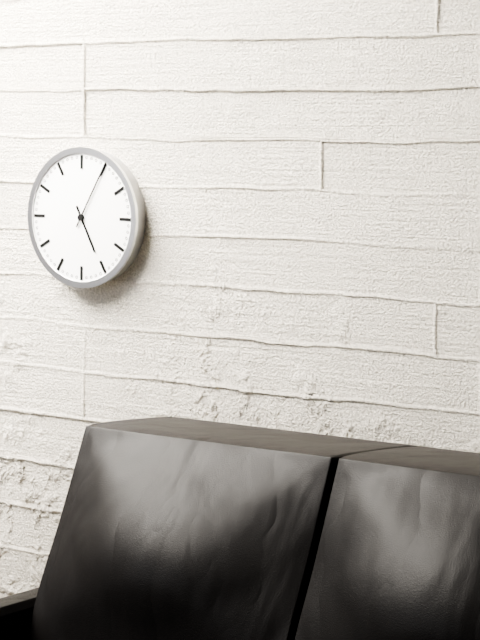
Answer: h=5 m=5
